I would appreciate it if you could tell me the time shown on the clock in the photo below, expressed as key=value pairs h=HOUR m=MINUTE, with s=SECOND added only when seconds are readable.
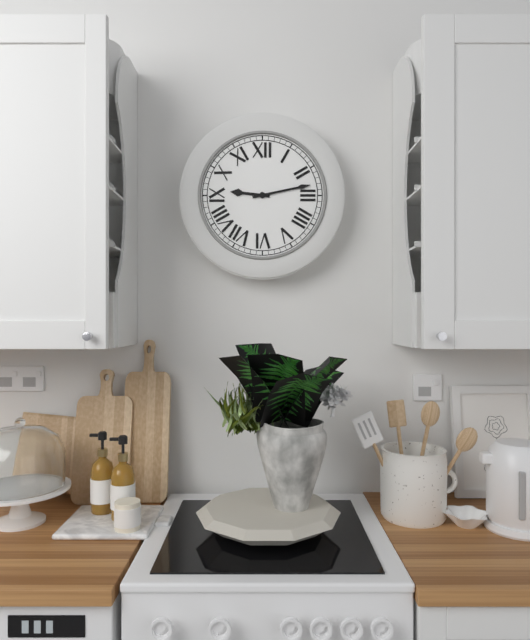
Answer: h=9 m=13
